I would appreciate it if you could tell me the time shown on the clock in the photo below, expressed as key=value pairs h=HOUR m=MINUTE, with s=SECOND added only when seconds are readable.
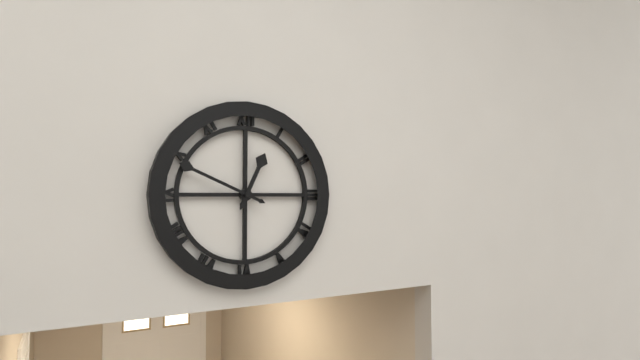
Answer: h=12 m=49
